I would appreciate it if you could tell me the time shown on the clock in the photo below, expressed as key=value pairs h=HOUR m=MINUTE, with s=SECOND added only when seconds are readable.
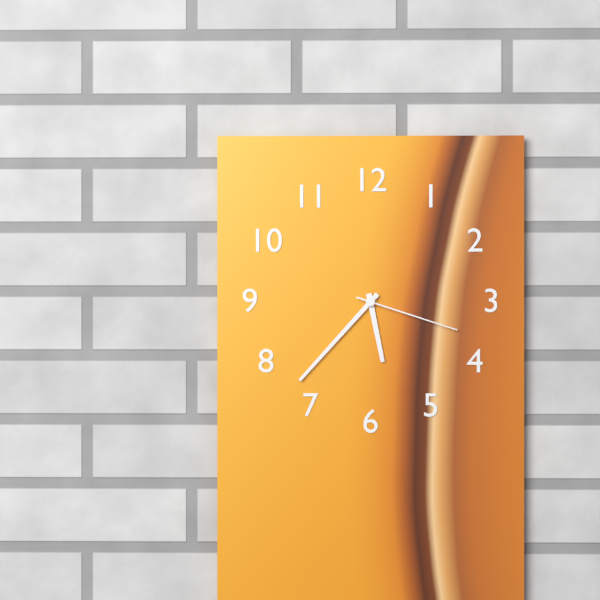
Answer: h=5 m=37 s=18
